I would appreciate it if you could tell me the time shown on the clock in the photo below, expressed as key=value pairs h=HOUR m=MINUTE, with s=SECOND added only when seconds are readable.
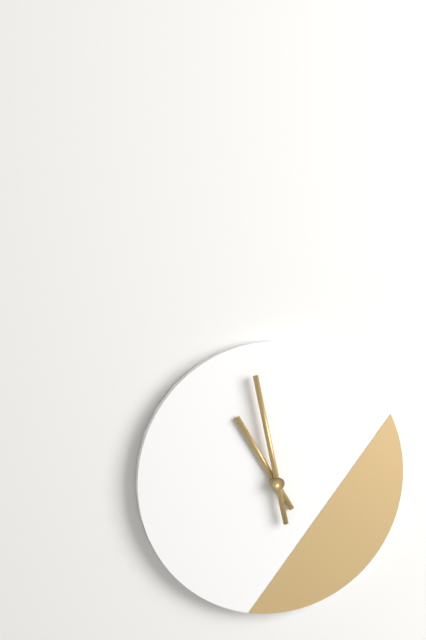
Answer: h=10 m=58
